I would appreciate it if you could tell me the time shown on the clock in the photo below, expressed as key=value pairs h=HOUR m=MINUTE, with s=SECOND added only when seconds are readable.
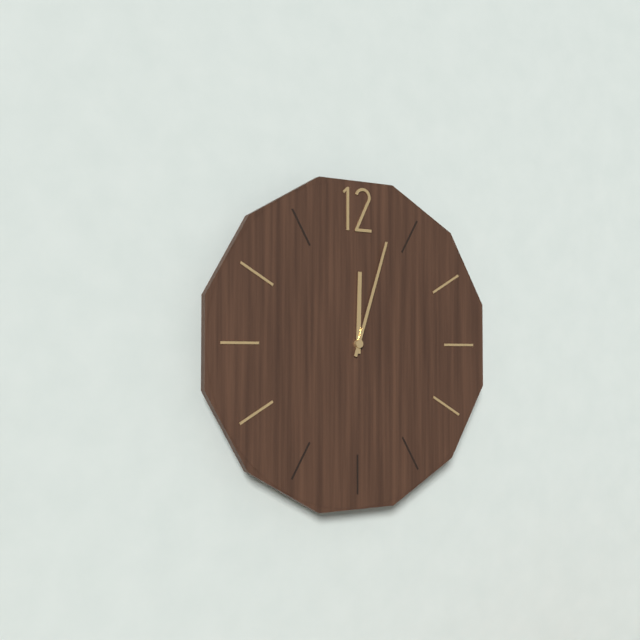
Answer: h=12 m=3
